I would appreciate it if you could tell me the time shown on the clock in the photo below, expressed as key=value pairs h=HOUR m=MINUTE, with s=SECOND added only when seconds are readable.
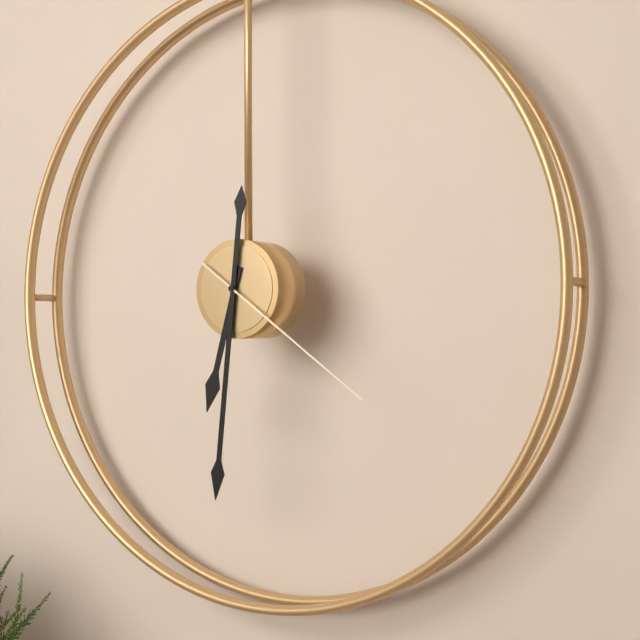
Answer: h=6 m=31 s=21
